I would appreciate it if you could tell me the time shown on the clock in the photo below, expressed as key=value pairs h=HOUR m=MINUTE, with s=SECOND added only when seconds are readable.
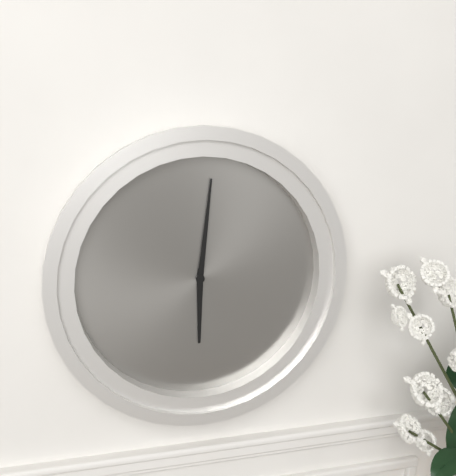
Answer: h=6 m=1
